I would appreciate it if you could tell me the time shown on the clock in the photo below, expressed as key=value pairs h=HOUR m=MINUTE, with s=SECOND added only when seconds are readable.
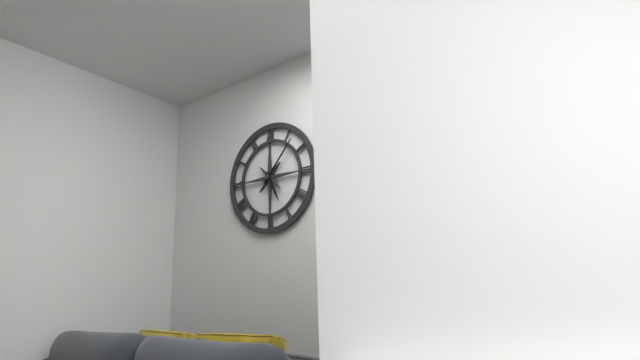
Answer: h=5 m=7
